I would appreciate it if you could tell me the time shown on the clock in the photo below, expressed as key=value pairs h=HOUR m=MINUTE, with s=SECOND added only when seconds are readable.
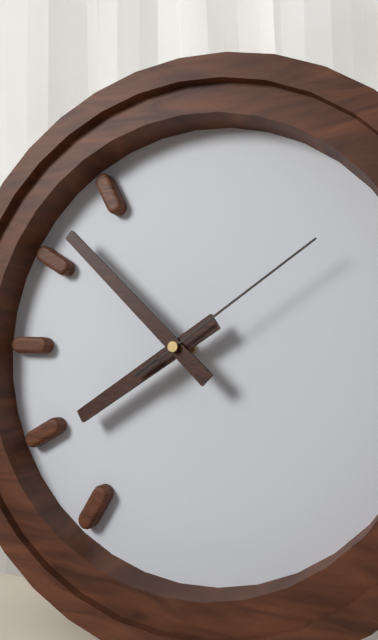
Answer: h=7 m=52 s=9
